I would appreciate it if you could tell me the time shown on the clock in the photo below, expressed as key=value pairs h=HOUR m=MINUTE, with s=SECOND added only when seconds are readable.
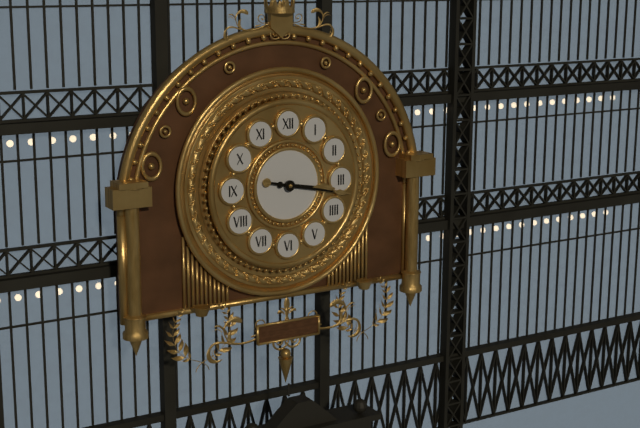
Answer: h=3 m=17
